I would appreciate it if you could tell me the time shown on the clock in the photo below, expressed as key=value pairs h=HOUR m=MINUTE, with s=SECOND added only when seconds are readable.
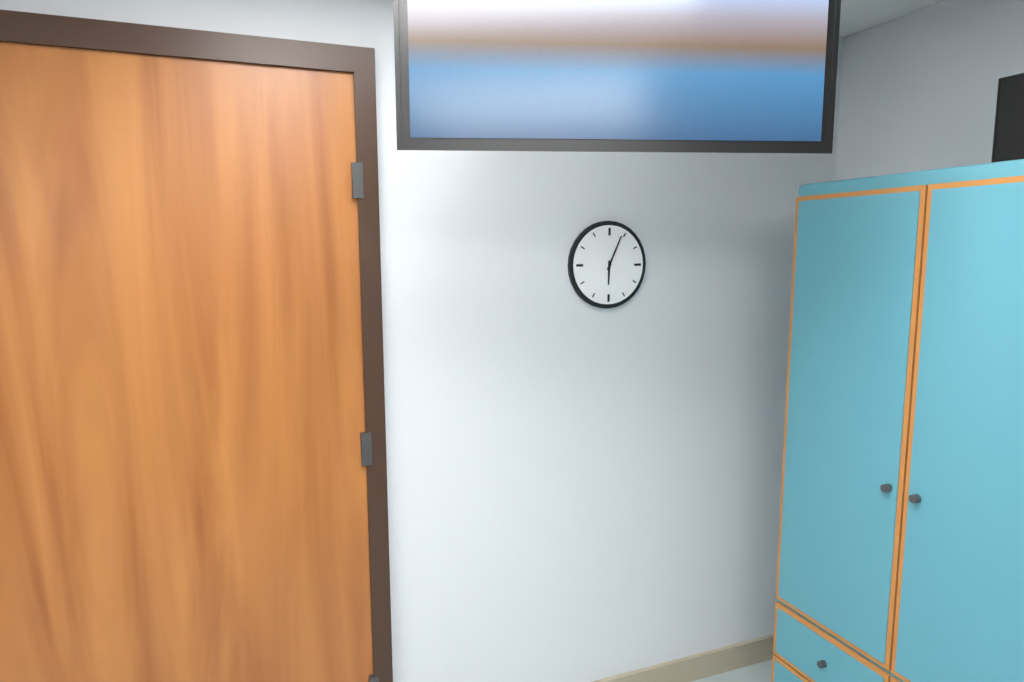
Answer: h=6 m=4
